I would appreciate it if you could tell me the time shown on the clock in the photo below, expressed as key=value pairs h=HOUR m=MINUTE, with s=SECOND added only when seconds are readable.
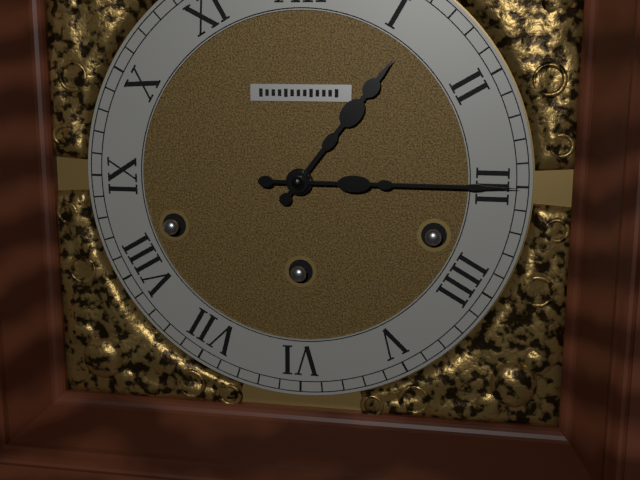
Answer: h=1 m=15
